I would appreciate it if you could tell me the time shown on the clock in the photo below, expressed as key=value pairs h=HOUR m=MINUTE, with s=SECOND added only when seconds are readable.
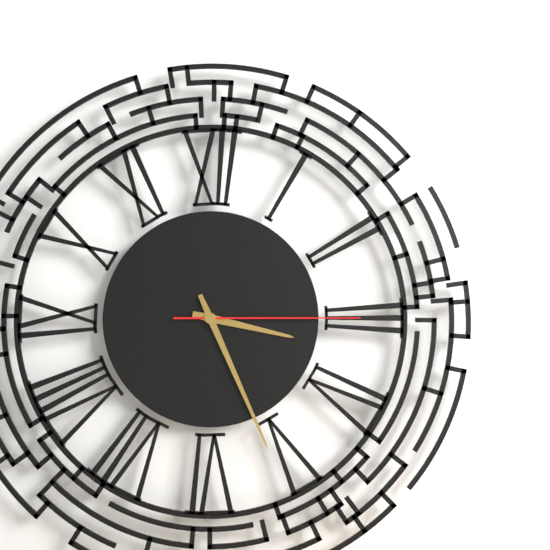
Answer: h=3 m=26 s=15
